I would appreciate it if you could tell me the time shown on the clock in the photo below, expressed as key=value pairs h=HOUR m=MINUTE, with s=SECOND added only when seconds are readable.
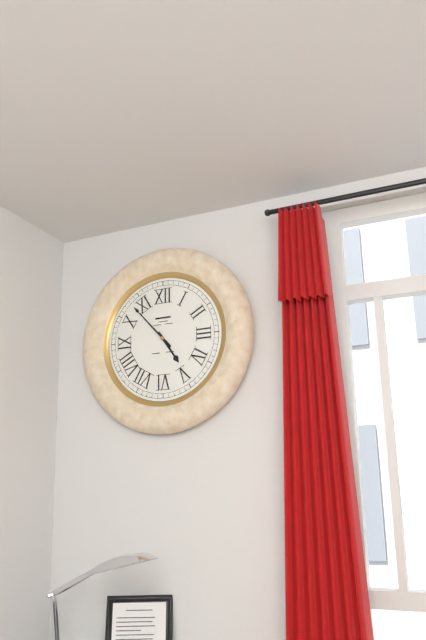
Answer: h=4 m=53
